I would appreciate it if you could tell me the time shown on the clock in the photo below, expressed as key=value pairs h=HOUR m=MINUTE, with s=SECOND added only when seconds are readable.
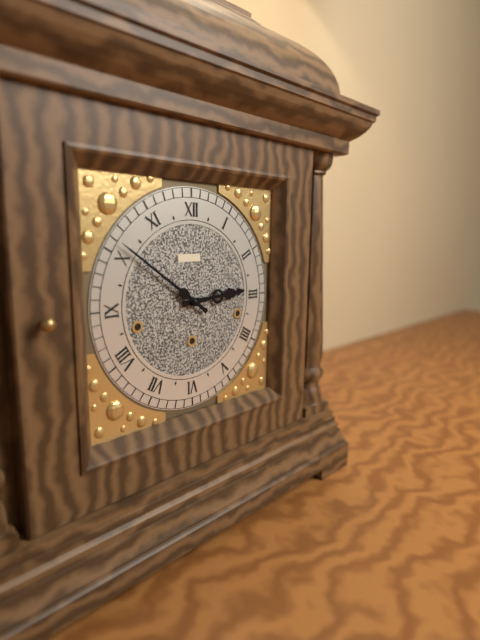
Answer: h=2 m=51
